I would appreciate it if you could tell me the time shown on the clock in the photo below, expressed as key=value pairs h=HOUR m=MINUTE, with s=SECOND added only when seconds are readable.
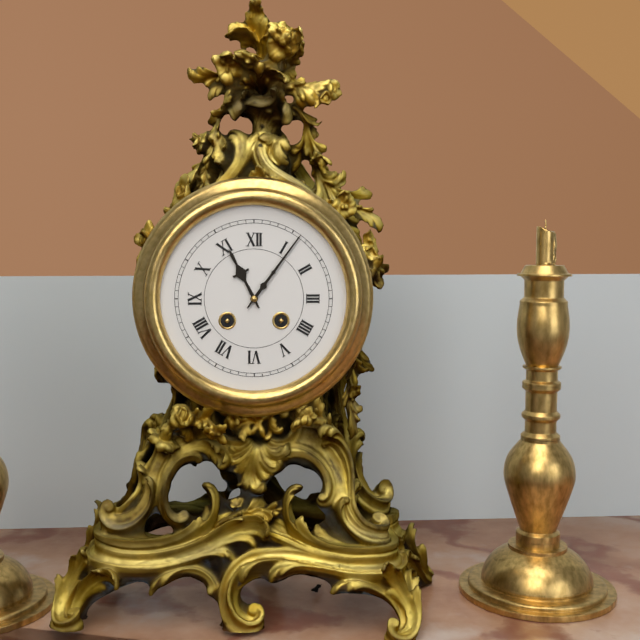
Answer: h=11 m=6
